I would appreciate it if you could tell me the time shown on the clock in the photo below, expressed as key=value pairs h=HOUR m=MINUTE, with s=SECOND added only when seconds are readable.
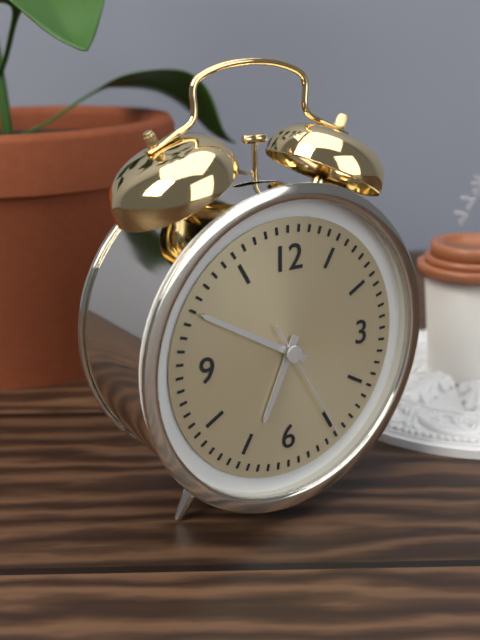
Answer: h=6 m=50 s=25
